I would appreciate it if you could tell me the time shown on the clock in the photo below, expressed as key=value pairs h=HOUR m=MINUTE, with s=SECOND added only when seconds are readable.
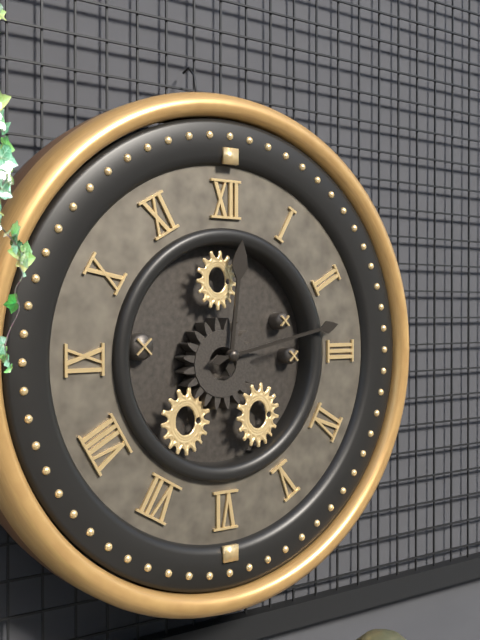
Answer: h=12 m=13
